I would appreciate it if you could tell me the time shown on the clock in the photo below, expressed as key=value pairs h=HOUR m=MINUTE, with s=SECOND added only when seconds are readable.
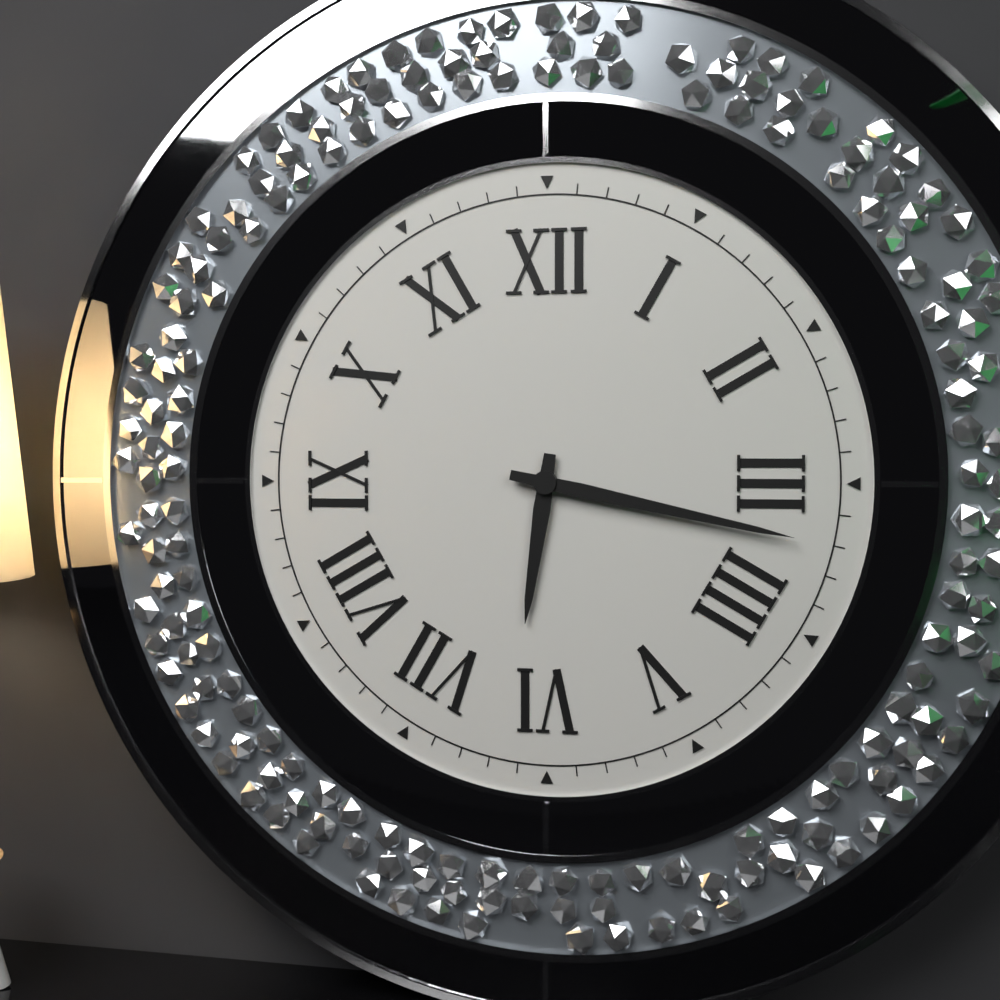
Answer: h=6 m=17
